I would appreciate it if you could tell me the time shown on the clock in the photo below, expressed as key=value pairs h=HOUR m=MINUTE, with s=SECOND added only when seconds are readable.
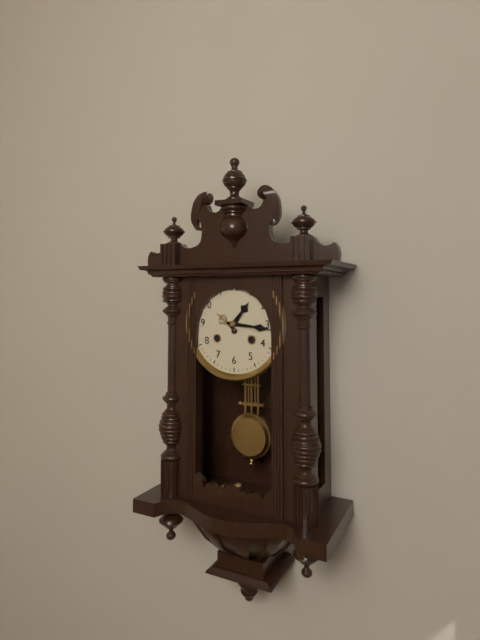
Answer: h=1 m=16
